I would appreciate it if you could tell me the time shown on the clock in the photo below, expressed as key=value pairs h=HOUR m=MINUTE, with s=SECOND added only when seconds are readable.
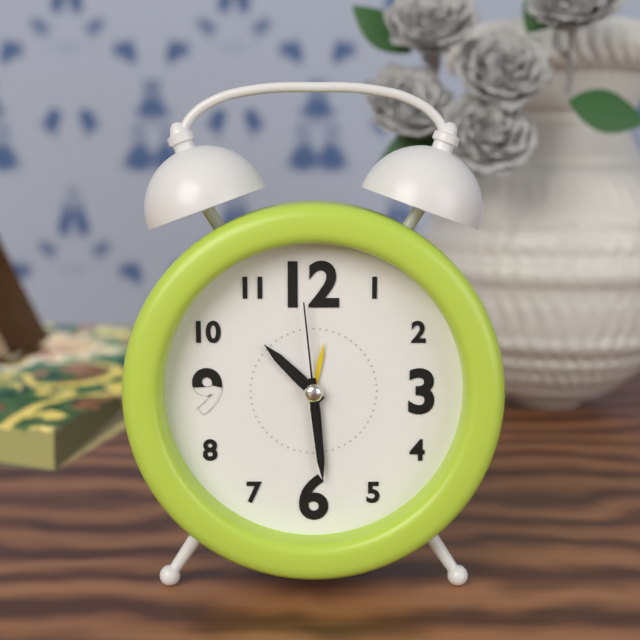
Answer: h=10 m=29 s=59
